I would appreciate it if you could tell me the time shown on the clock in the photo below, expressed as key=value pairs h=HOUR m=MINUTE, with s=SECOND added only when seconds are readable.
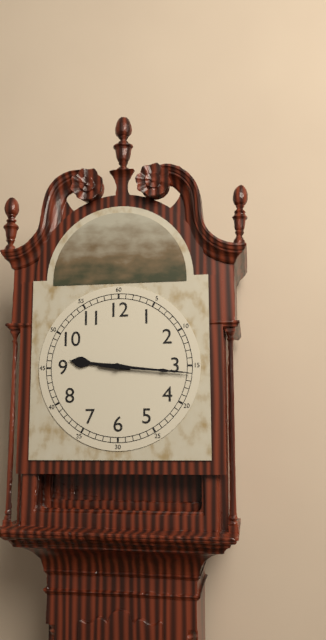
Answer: h=9 m=16
